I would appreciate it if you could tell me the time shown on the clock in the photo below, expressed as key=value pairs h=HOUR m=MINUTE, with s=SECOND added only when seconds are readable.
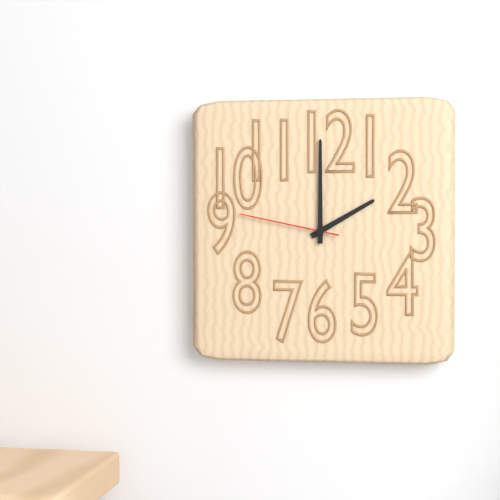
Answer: h=2 m=0 s=47
